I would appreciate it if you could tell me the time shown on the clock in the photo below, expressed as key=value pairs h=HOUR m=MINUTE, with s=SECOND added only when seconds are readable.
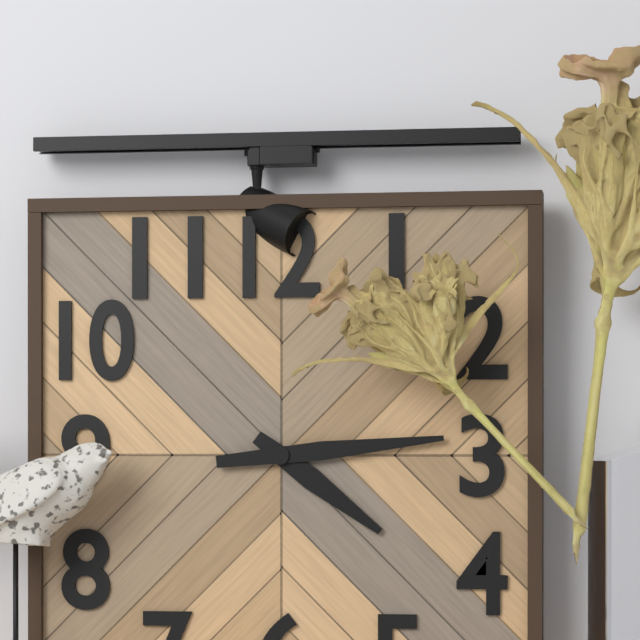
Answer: h=4 m=14
